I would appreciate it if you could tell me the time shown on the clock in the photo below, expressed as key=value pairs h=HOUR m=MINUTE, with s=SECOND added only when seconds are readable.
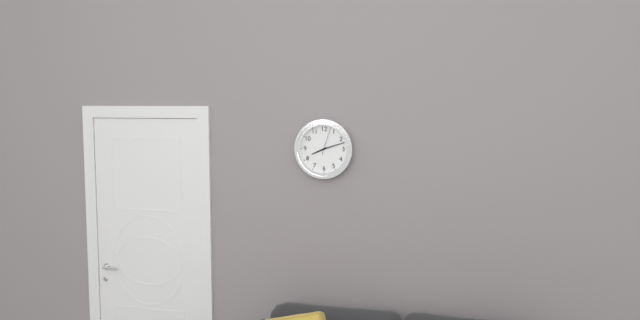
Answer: h=8 m=12
